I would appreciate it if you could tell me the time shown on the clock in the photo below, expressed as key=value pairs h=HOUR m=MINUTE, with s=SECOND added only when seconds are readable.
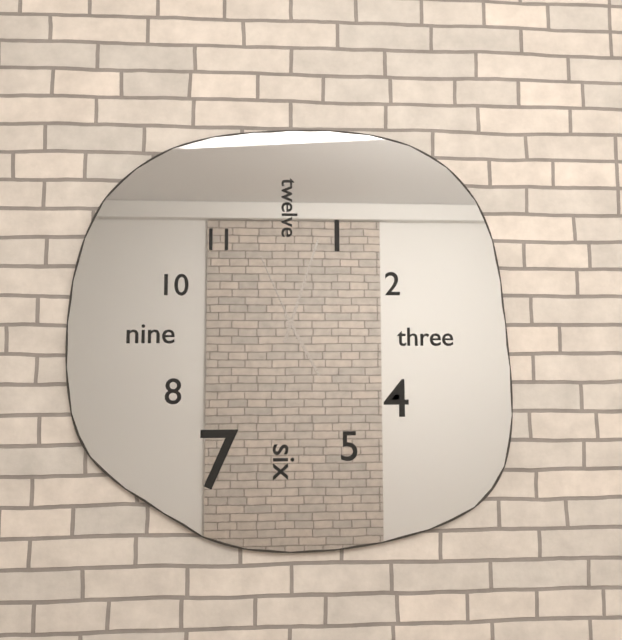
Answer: h=5 m=3 s=56
